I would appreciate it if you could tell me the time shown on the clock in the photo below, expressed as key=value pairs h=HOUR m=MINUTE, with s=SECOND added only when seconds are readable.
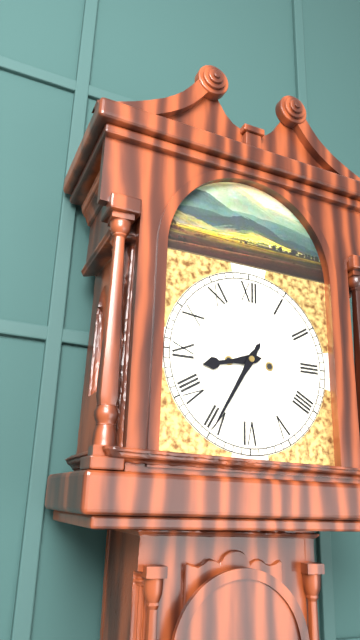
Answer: h=8 m=35
